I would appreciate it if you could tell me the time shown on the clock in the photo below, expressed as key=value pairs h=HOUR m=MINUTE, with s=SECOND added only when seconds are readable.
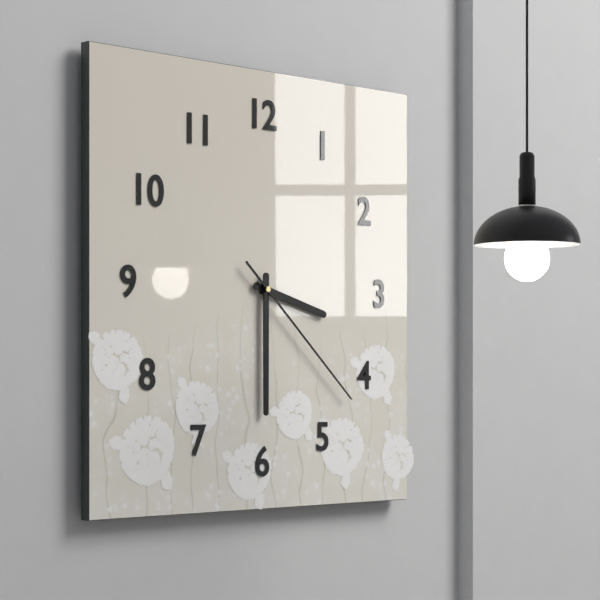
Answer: h=3 m=30 s=22
